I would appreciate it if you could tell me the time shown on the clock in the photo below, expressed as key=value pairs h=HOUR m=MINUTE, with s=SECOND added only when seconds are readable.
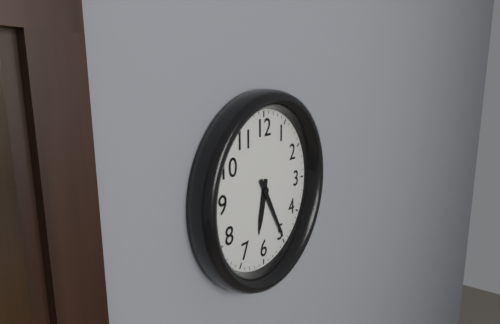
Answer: h=6 m=25
